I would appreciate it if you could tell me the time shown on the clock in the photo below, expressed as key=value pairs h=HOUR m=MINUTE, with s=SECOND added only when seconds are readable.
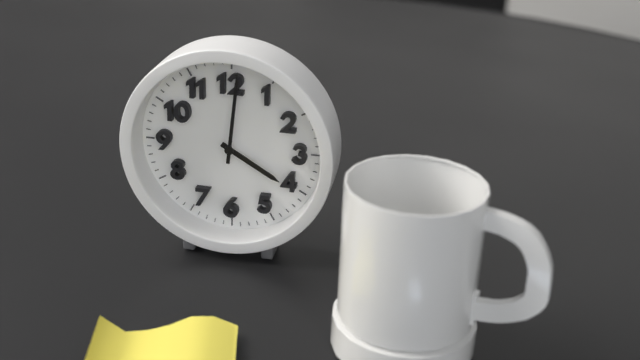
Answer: h=4 m=1
